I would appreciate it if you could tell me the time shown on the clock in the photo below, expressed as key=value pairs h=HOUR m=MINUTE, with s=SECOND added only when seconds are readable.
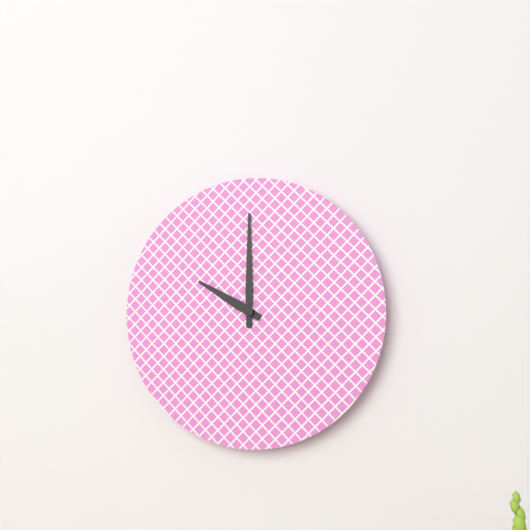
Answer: h=10 m=0
